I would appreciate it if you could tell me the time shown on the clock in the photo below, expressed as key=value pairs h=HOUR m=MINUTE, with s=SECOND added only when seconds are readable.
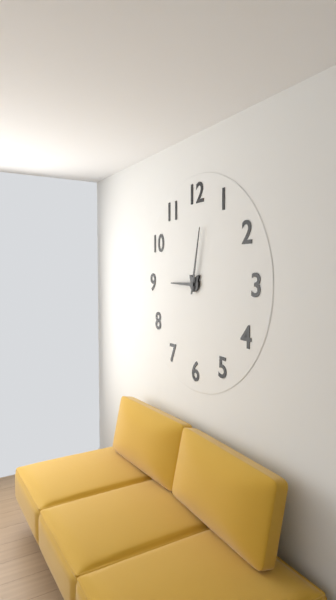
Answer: h=9 m=2
